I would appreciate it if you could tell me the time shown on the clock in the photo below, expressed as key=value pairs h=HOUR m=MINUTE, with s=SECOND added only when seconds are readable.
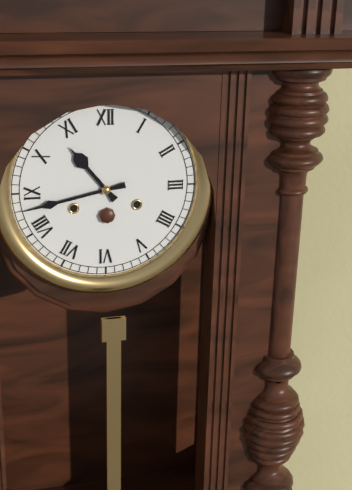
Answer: h=10 m=43
